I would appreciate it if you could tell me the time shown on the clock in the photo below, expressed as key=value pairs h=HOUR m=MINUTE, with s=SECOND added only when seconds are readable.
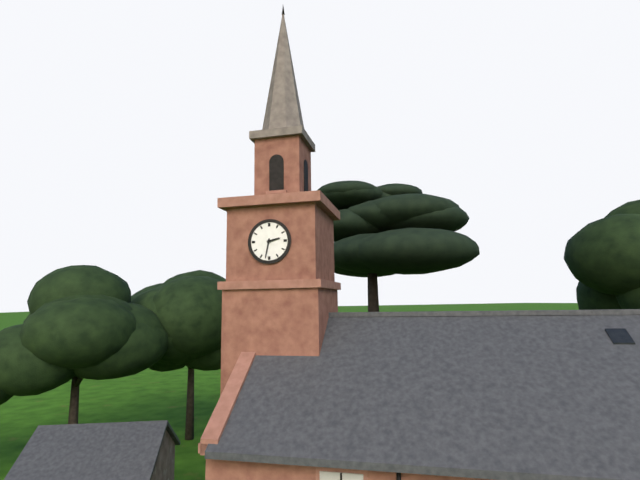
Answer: h=2 m=32
